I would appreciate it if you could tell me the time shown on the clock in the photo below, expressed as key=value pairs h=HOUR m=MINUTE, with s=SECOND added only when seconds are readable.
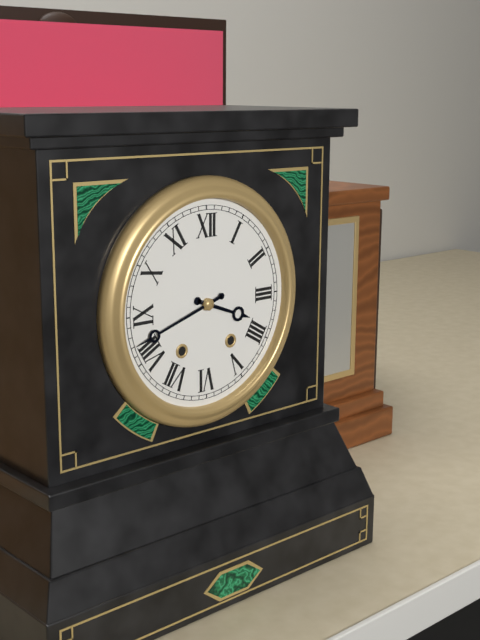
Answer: h=3 m=42
